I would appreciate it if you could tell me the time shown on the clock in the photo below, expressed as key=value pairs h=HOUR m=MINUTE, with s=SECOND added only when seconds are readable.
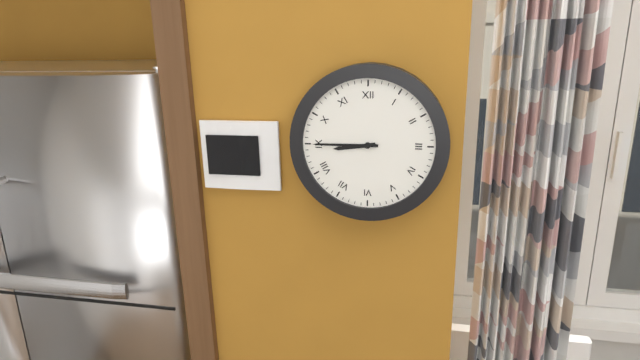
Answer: h=8 m=45
